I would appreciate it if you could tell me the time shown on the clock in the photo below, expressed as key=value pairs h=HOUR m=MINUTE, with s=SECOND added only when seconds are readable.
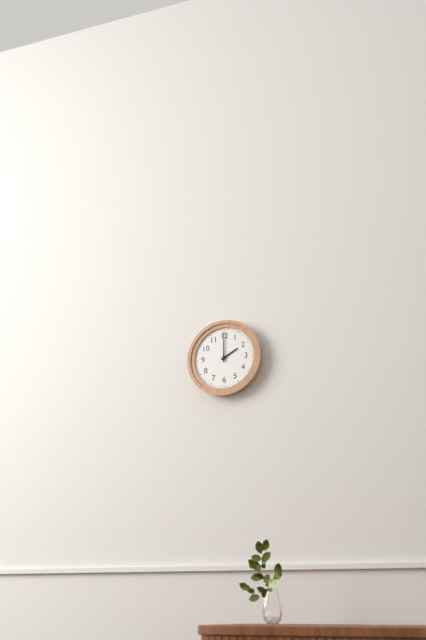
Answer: h=2 m=0
